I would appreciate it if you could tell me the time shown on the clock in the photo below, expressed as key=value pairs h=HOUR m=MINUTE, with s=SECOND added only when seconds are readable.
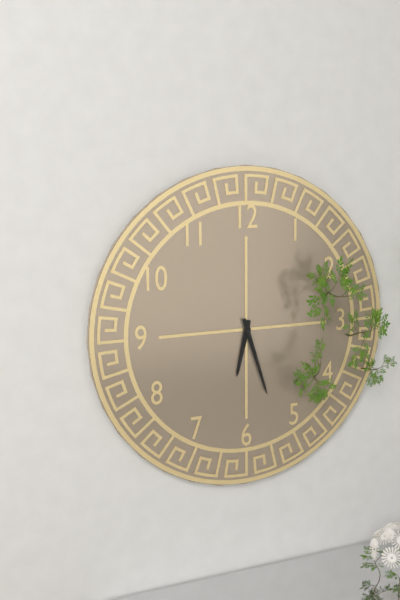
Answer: h=6 m=27
